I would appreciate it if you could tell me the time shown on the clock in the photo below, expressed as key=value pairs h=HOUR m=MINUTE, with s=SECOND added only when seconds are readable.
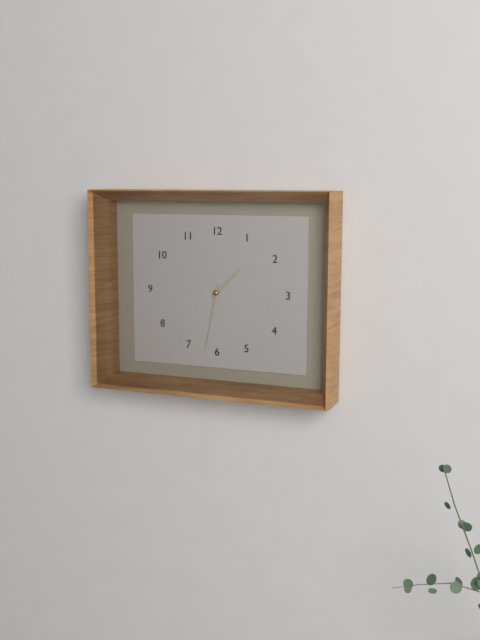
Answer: h=1 m=32
